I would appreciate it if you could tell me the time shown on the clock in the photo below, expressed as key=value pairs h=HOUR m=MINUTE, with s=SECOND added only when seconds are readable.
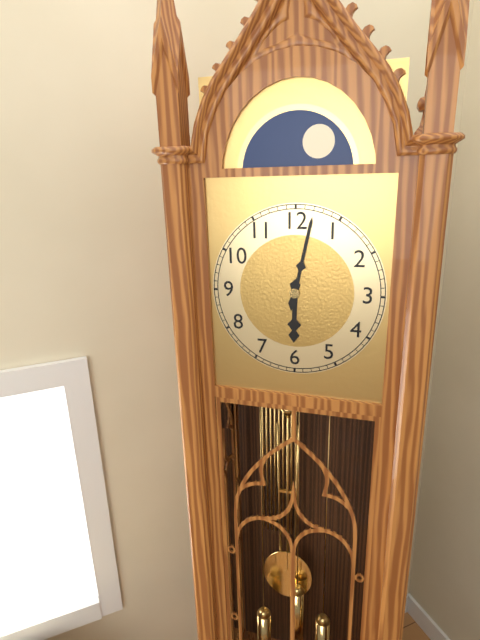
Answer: h=6 m=2
